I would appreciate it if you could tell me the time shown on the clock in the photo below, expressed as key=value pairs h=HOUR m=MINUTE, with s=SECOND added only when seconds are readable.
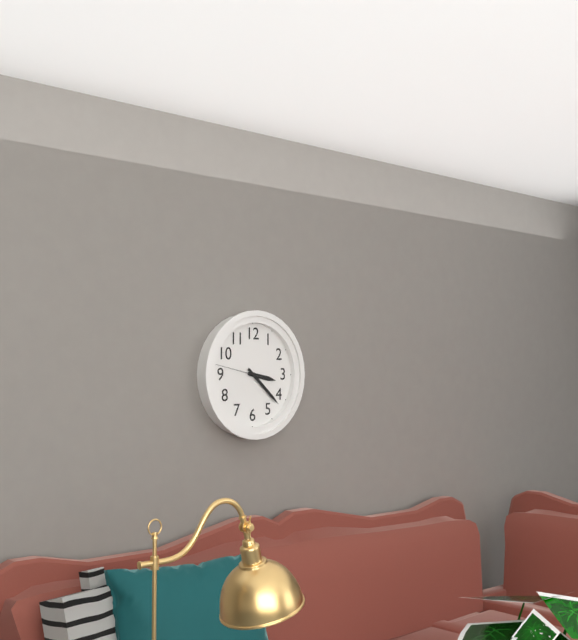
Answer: h=3 m=22
